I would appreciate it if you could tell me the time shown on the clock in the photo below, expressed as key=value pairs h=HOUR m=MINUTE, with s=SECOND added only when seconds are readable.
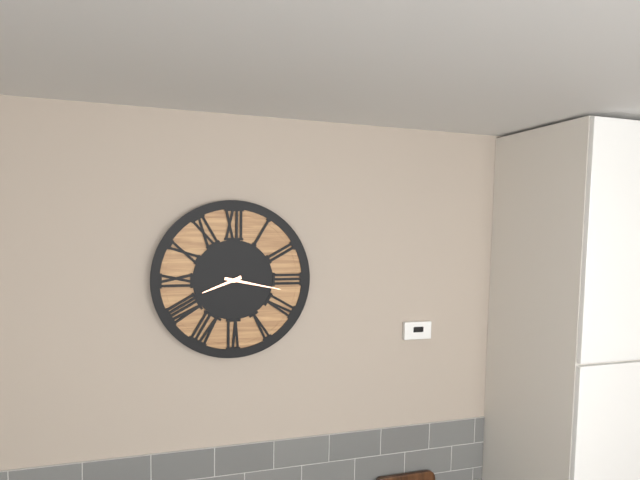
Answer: h=8 m=17
